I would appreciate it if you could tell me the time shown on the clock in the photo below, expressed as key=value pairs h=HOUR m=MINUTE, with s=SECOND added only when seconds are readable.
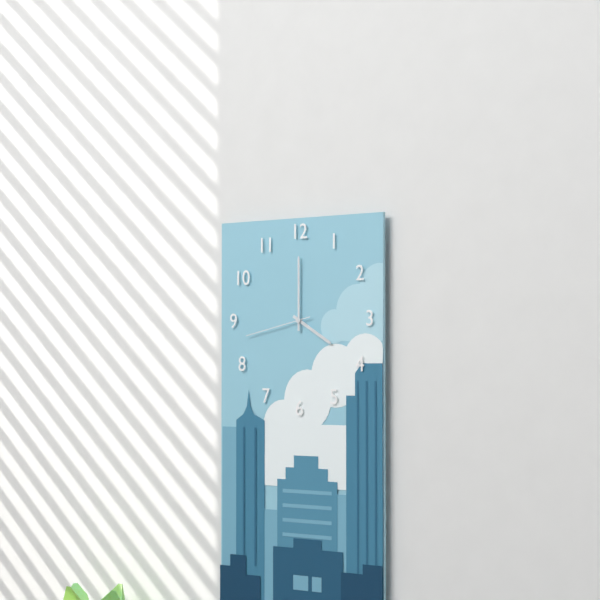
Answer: h=4 m=0 s=43
